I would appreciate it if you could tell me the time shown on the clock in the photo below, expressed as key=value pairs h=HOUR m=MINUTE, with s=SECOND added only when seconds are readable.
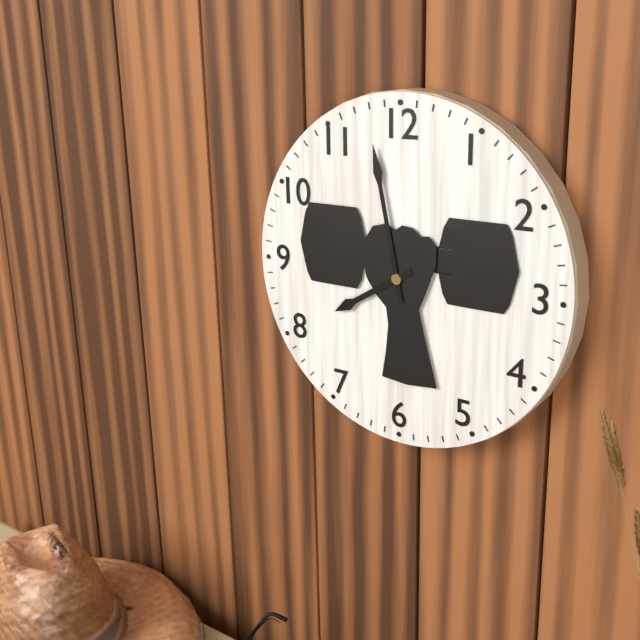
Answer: h=7 m=58
